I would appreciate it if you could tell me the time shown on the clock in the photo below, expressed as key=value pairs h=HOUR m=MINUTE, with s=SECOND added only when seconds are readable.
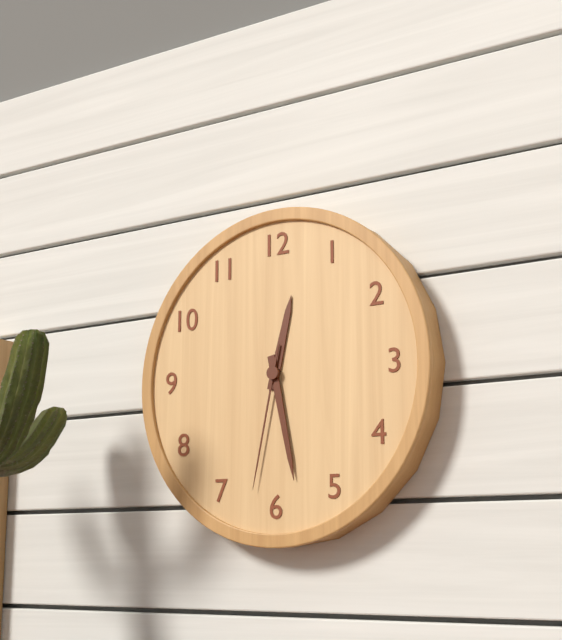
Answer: h=12 m=28 s=32
